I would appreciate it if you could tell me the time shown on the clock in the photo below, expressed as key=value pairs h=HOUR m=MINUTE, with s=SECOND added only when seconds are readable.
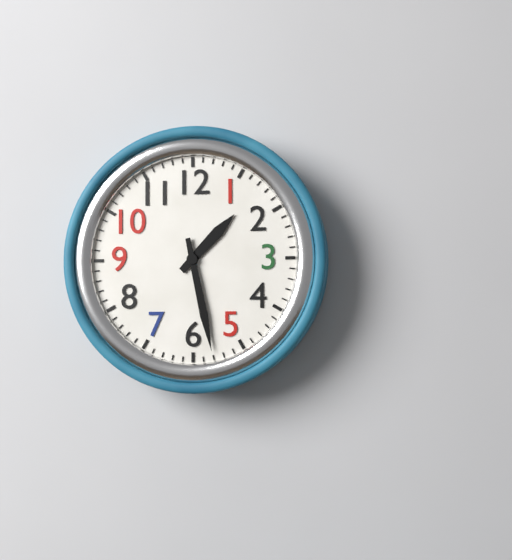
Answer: h=1 m=28
